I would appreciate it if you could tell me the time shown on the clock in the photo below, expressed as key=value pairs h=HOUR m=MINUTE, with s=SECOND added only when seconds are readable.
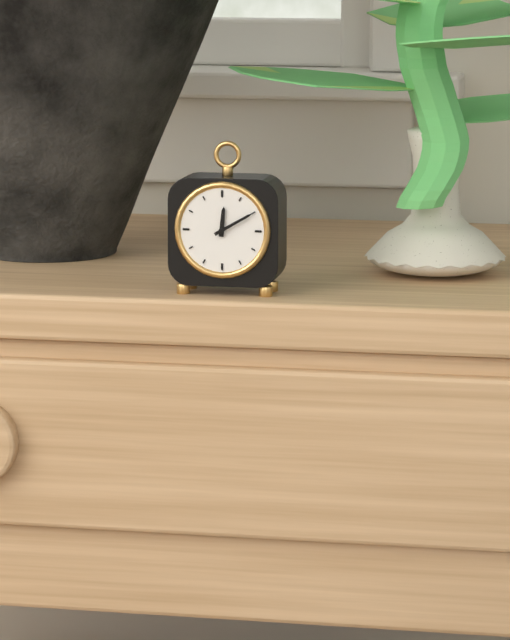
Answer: h=12 m=10
